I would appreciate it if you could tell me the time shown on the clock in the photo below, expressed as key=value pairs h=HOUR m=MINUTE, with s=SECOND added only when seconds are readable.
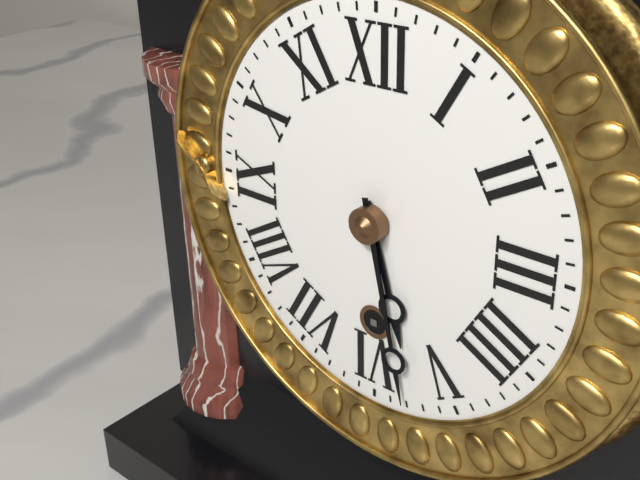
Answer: h=5 m=28
